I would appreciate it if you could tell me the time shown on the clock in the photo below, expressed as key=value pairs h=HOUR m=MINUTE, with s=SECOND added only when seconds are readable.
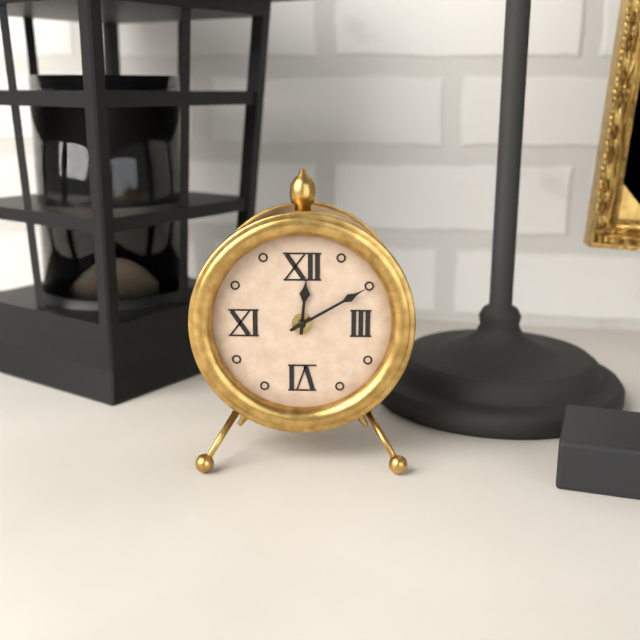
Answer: h=12 m=10
